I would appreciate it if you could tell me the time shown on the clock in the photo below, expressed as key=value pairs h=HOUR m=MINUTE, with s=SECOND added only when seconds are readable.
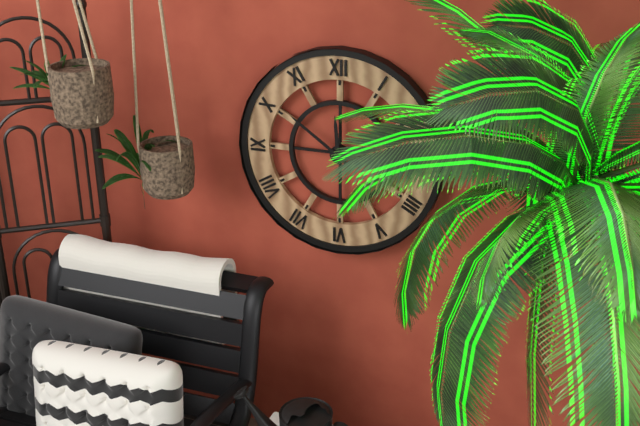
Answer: h=11 m=51
